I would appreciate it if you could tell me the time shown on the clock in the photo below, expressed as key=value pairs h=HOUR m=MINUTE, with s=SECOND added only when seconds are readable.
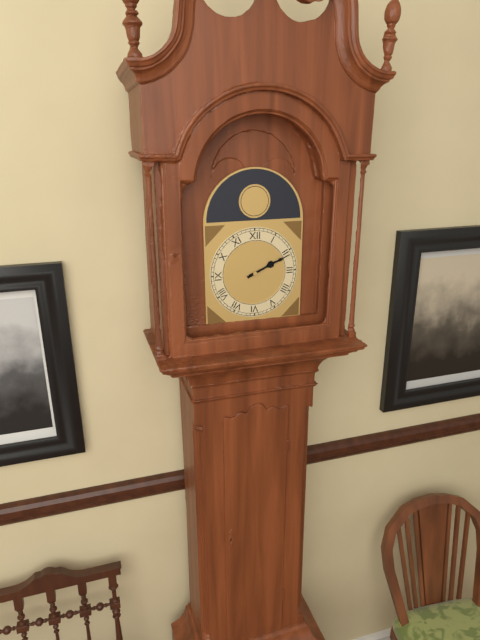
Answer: h=2 m=11
